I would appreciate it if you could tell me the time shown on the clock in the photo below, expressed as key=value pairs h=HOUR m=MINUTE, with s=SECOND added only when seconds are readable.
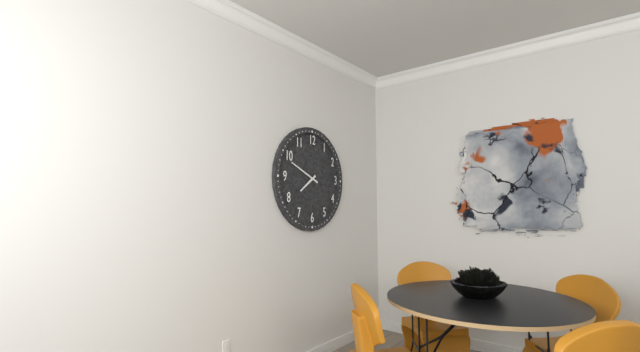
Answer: h=7 m=49
